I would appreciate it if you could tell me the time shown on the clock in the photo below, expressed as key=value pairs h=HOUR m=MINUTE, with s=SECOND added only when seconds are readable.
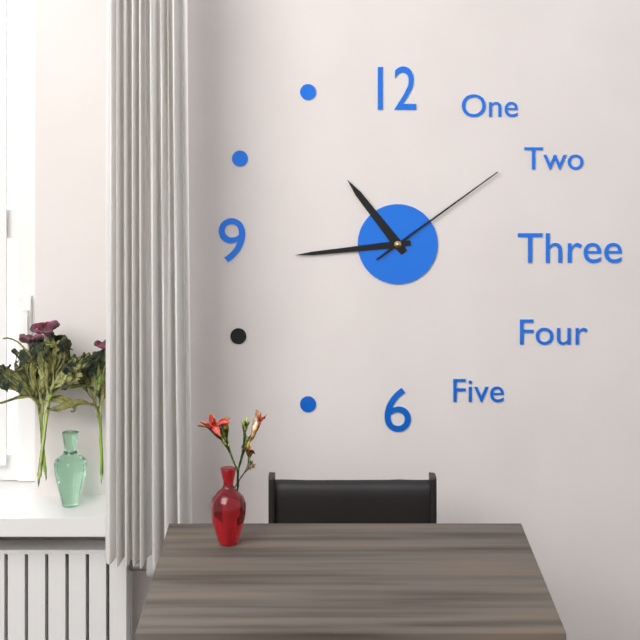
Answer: h=10 m=44 s=9
